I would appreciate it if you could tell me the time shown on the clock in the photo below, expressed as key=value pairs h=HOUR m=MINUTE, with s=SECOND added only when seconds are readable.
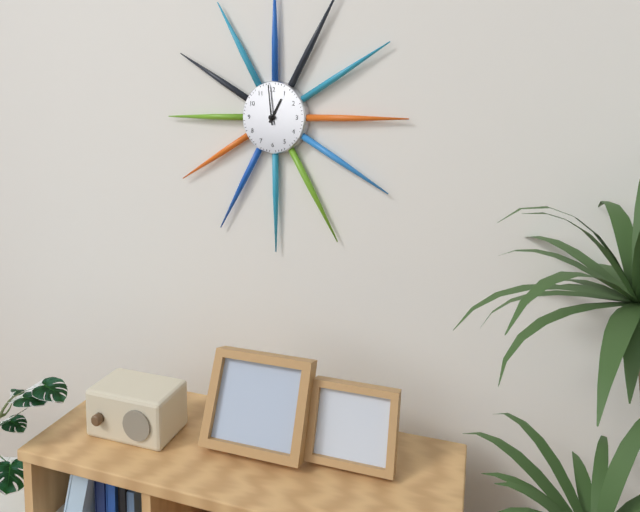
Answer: h=12 m=59
